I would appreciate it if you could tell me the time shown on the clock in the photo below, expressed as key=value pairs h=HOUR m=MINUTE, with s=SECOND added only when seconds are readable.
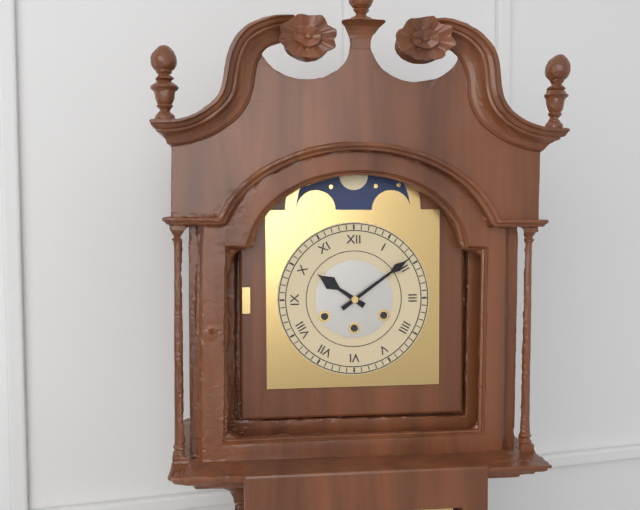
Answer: h=10 m=9
